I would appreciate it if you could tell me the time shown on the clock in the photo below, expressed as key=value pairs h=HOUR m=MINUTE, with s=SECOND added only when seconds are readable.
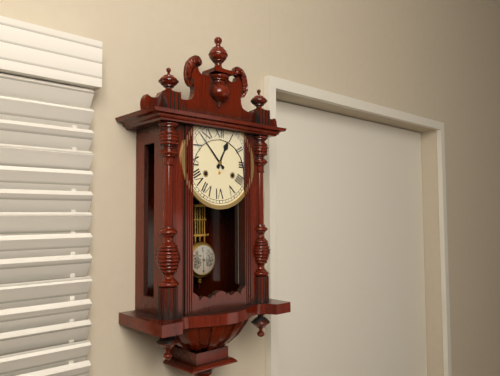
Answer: h=12 m=53
